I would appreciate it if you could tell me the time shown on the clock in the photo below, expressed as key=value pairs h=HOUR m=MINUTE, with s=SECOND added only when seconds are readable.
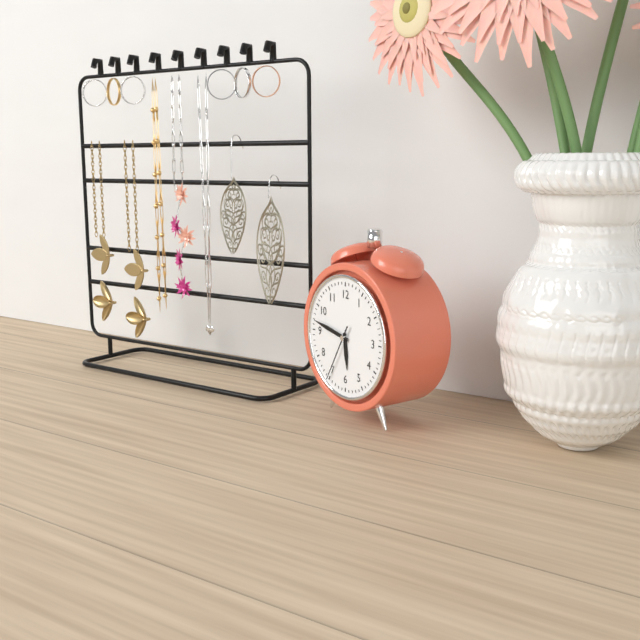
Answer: h=5 m=47 s=35
